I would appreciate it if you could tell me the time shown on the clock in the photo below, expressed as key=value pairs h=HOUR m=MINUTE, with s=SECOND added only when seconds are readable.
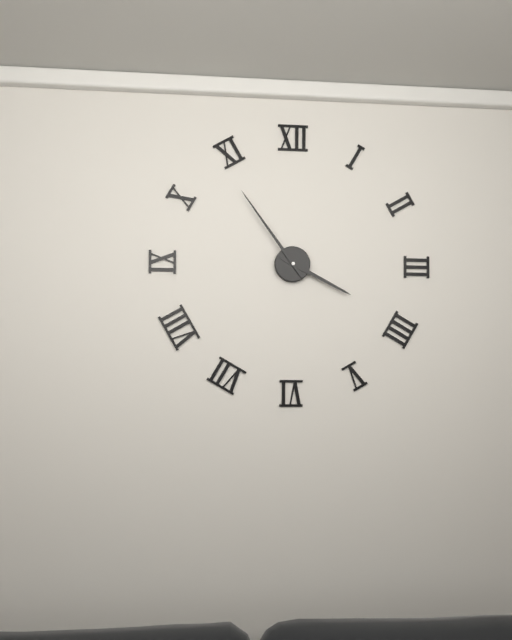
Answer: h=3 m=54
